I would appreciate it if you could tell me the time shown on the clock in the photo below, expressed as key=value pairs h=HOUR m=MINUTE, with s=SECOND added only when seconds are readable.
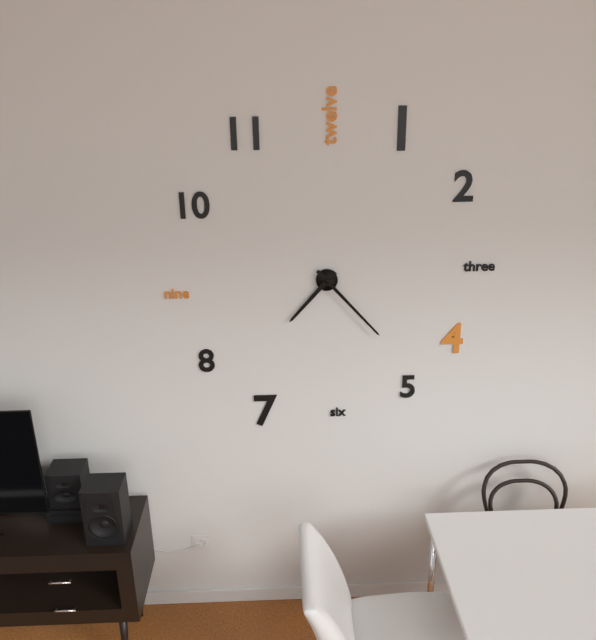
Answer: h=7 m=23
